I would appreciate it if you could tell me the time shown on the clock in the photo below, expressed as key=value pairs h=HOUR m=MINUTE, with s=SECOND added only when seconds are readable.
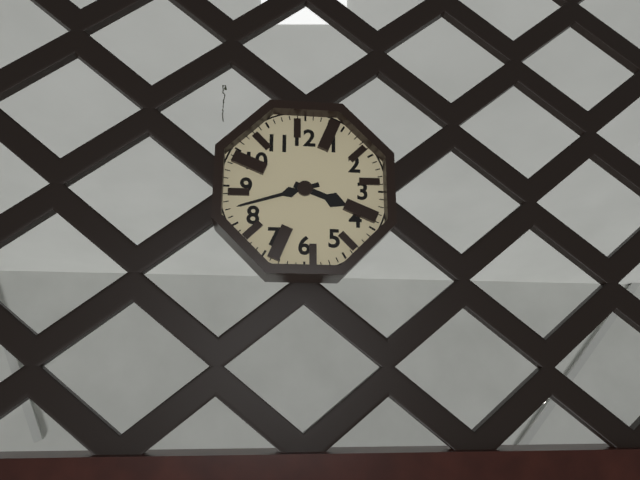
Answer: h=3 m=42
